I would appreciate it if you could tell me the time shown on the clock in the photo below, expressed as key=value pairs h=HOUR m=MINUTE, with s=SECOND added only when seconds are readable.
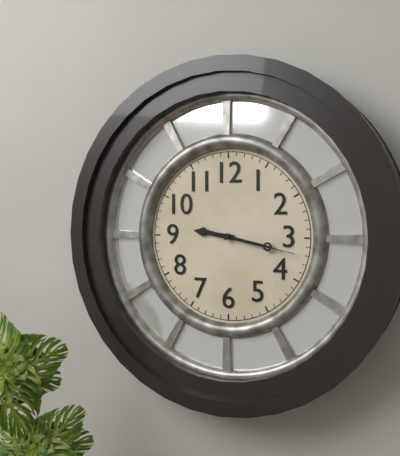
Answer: h=9 m=17 s=17
